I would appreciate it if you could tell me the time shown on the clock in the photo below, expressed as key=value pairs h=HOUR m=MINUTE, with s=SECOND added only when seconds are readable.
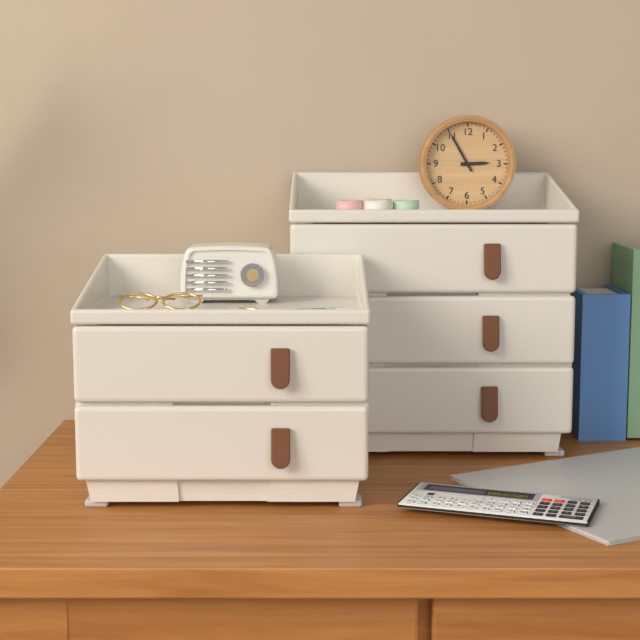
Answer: h=2 m=55
